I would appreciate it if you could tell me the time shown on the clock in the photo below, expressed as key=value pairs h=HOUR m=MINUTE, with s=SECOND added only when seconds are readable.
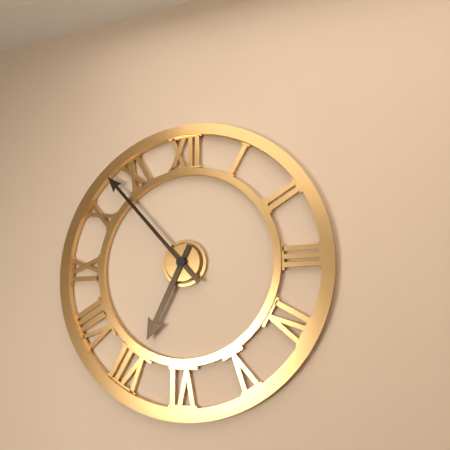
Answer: h=6 m=53
